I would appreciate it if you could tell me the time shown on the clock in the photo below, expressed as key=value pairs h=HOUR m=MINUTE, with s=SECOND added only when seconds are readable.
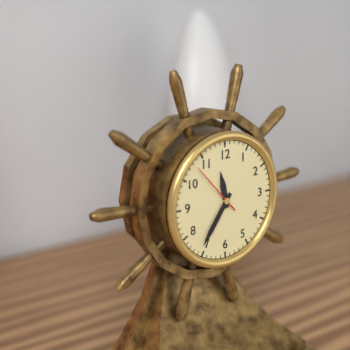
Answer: h=11 m=36 s=53
